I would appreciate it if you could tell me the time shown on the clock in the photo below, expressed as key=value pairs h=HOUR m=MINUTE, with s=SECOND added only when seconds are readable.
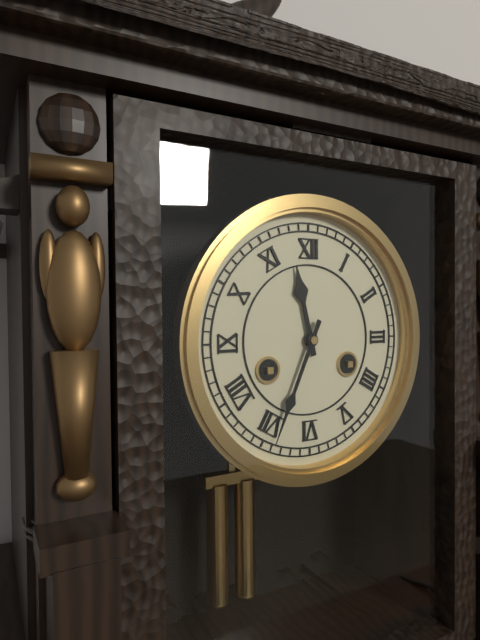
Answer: h=11 m=34
